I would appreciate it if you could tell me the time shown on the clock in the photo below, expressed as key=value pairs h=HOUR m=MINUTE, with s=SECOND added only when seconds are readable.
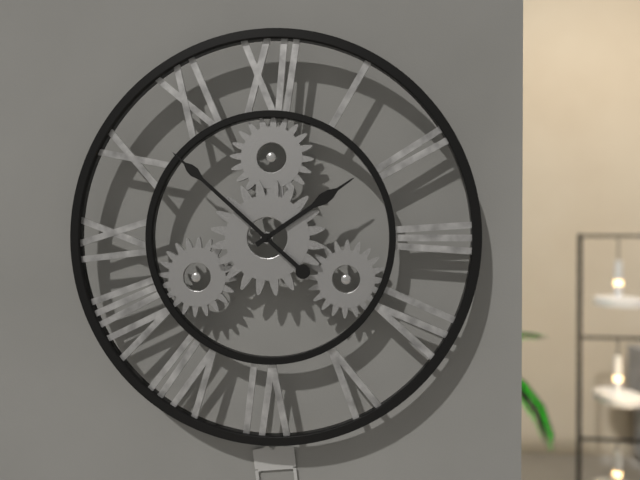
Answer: h=1 m=52
